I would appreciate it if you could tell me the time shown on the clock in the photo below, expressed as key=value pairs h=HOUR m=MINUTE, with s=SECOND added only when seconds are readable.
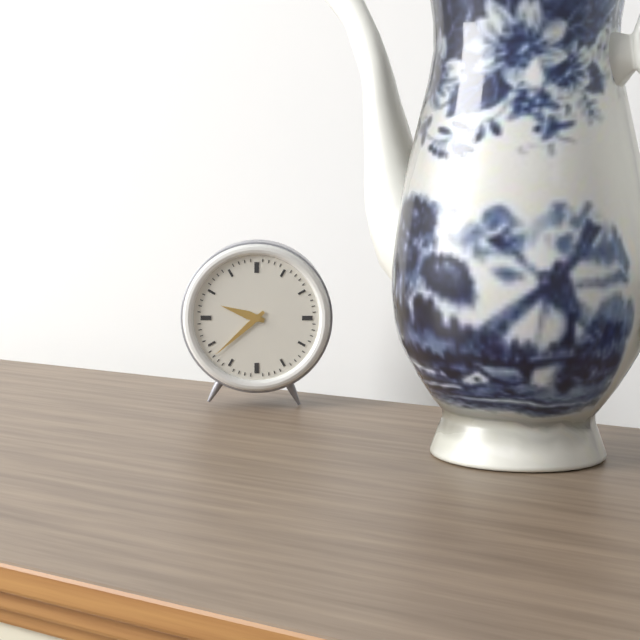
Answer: h=9 m=38
